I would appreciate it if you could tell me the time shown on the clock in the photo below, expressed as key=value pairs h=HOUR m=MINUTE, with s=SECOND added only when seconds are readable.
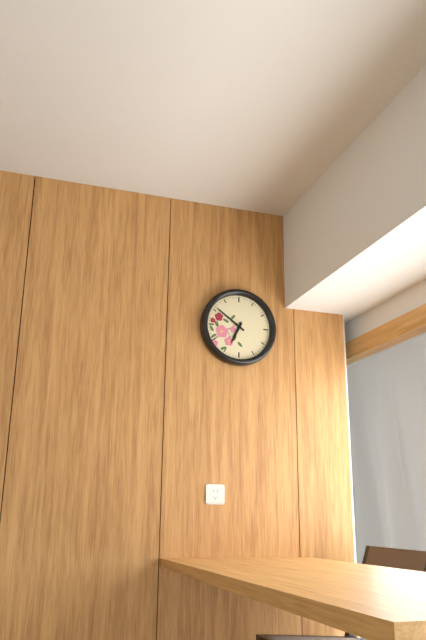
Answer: h=6 m=51
